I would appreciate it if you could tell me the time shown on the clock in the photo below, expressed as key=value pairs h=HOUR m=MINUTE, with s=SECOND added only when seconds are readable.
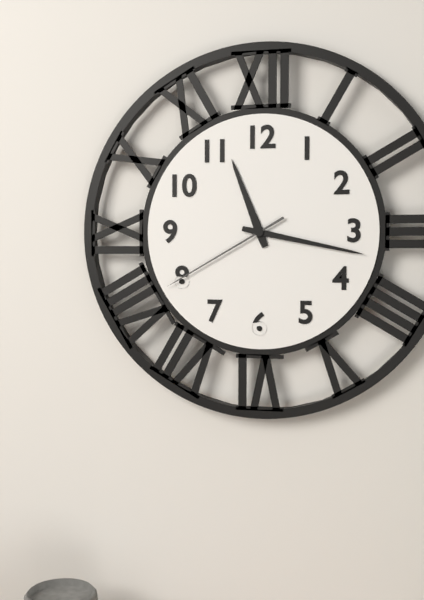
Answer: h=11 m=17 s=40
